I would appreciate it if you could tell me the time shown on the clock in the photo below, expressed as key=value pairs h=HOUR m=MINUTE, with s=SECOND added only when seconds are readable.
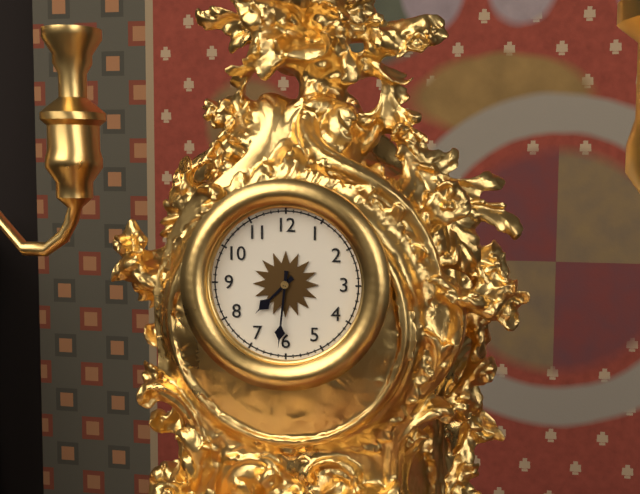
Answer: h=7 m=31
